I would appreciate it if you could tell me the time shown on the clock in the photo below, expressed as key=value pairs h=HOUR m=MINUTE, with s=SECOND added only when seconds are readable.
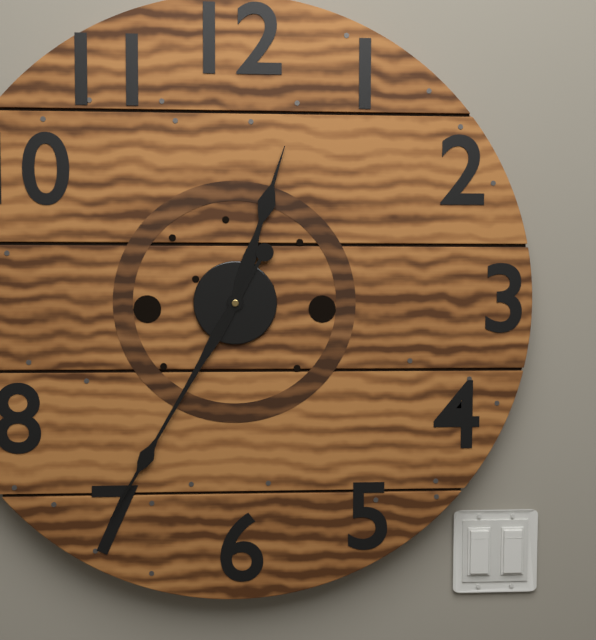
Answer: h=12 m=35
